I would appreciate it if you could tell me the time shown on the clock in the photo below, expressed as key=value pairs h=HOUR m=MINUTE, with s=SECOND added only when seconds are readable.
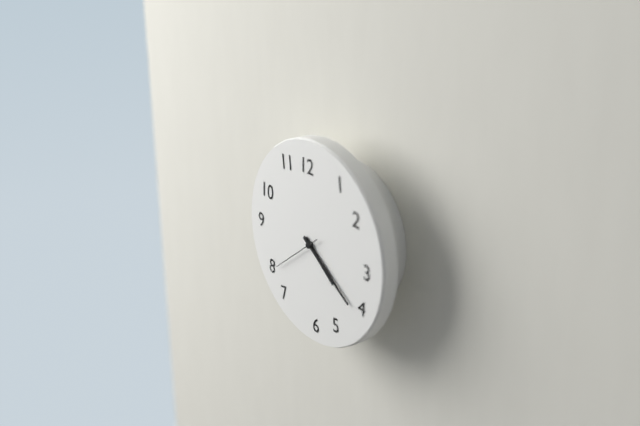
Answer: h=4 m=21 s=39
